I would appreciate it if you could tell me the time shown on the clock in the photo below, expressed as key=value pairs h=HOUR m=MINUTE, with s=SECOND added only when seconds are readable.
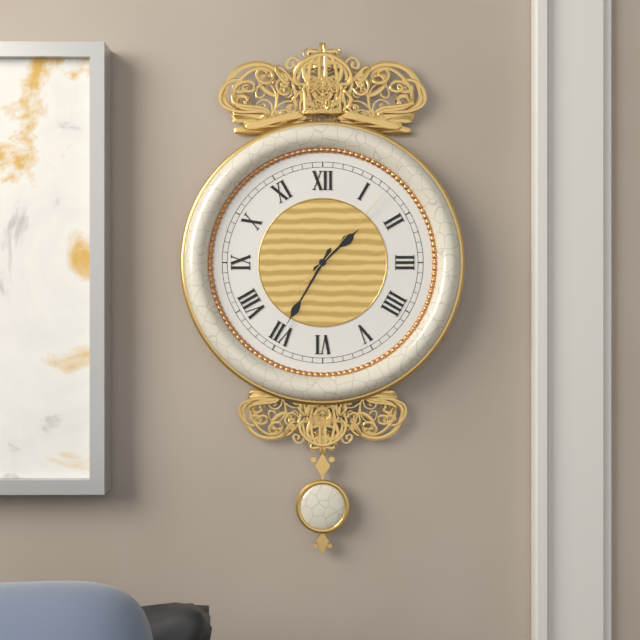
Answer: h=1 m=35 s=7
